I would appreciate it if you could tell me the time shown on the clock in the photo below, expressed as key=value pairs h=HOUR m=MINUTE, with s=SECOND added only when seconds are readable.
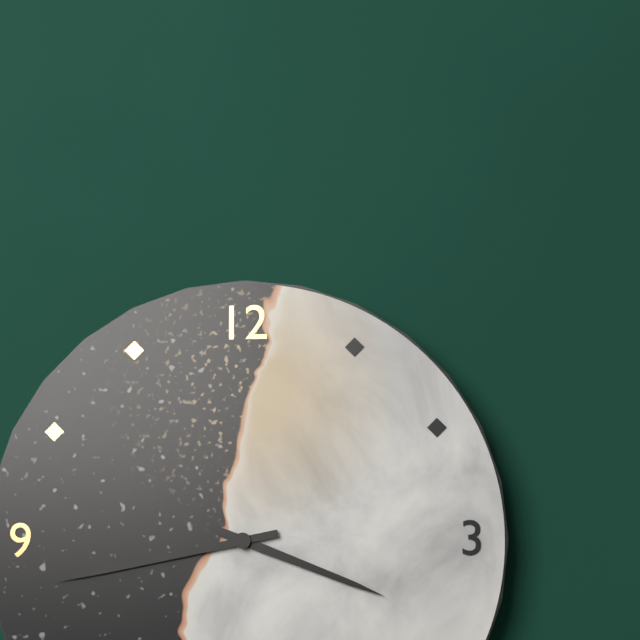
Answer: h=3 m=43
